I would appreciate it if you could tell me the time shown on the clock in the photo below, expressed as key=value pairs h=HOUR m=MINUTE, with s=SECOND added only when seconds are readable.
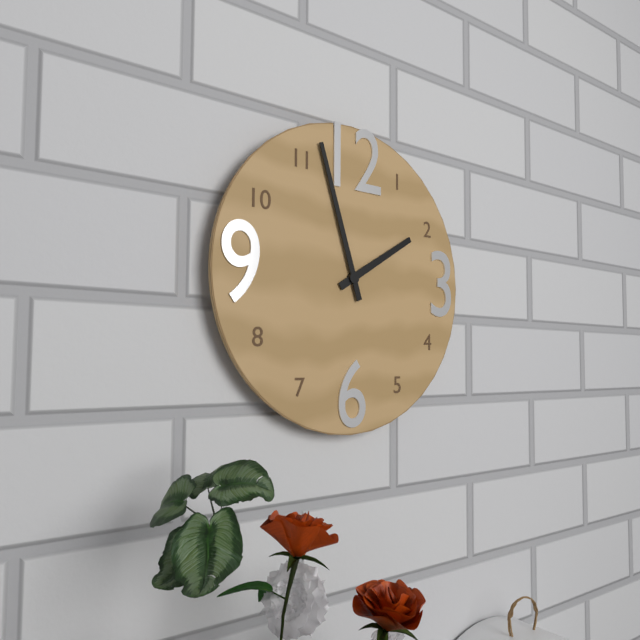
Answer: h=1 m=57
